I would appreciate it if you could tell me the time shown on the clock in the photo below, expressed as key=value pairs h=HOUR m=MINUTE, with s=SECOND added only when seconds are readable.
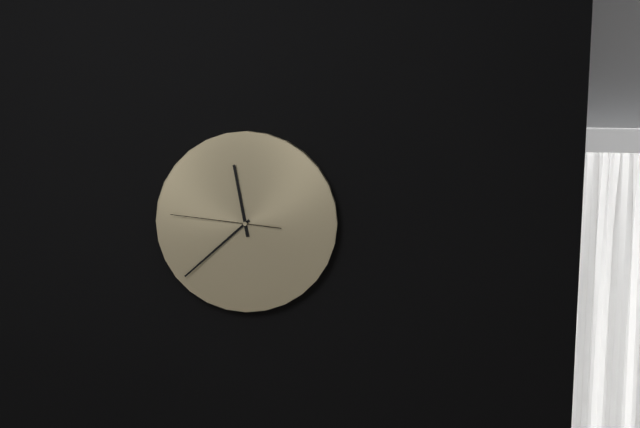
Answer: h=11 m=38 s=46
